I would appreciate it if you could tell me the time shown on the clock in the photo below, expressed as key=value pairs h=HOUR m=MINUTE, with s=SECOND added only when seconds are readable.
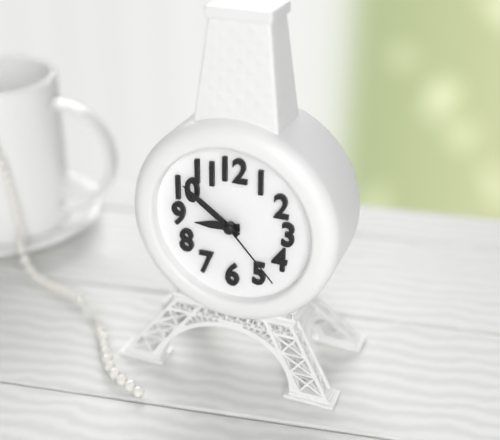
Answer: h=8 m=51 s=23
